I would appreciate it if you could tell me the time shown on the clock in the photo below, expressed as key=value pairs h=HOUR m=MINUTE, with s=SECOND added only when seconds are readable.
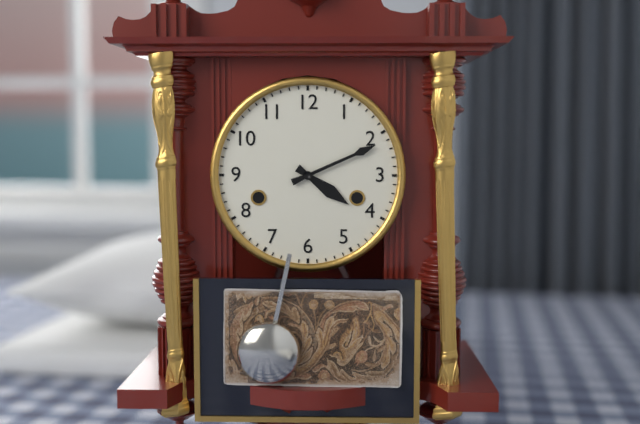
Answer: h=4 m=11
